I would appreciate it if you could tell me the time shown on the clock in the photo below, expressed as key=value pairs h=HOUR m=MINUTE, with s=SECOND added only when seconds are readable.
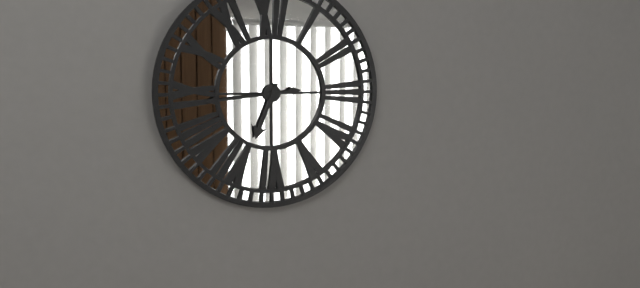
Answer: h=6 m=44
